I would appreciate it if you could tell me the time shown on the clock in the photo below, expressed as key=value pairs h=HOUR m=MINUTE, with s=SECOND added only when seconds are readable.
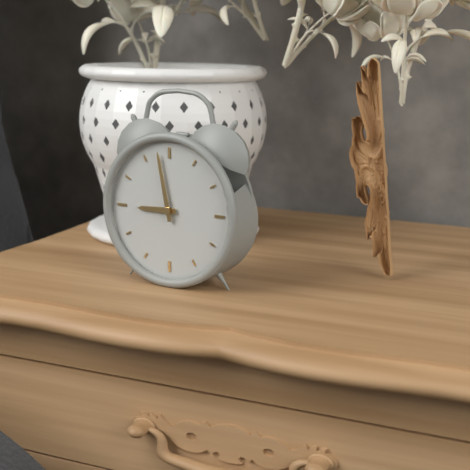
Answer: h=8 m=58
